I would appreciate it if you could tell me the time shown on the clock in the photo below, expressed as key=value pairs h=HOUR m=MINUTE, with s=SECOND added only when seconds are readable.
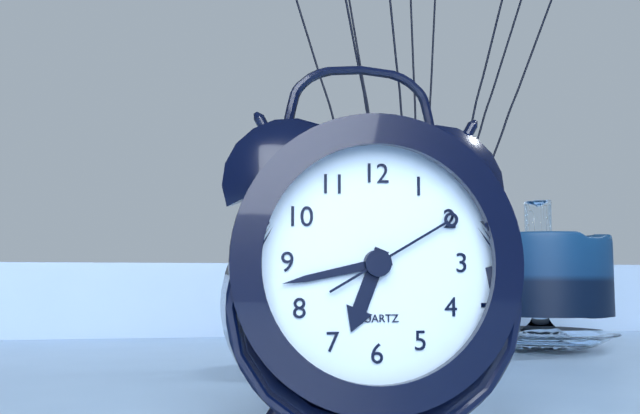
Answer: h=6 m=43 s=10
